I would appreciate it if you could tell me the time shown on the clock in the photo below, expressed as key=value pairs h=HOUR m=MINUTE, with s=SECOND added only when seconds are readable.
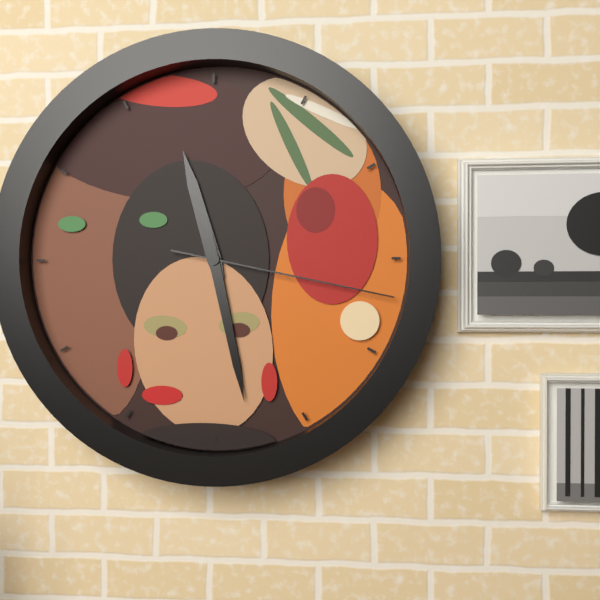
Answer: h=11 m=28 s=17
